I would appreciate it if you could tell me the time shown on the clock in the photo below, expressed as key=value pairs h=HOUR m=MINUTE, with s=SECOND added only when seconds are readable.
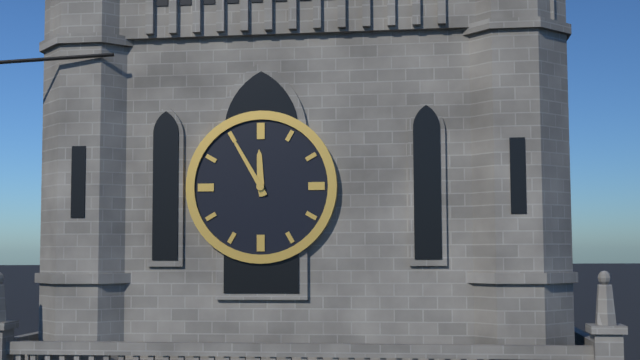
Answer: h=11 m=55
